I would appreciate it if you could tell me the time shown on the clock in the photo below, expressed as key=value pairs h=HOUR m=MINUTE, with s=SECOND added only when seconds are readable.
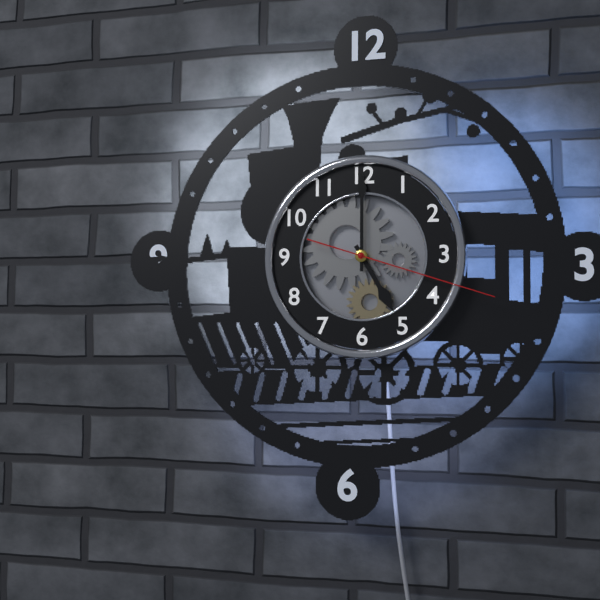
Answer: h=5 m=0 s=18
